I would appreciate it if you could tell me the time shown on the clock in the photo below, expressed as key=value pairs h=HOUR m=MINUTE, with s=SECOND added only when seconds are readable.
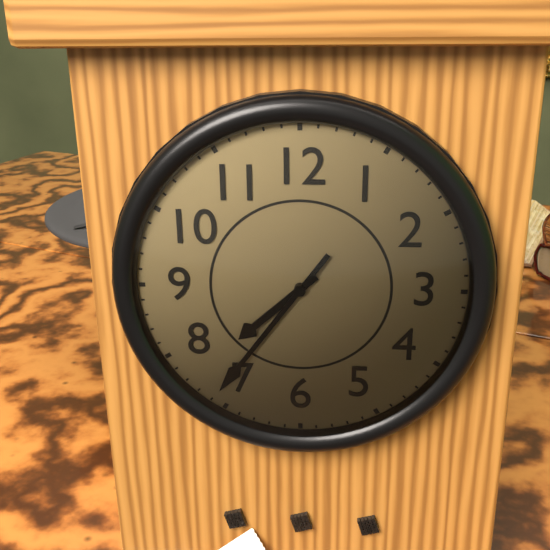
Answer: h=7 m=36
